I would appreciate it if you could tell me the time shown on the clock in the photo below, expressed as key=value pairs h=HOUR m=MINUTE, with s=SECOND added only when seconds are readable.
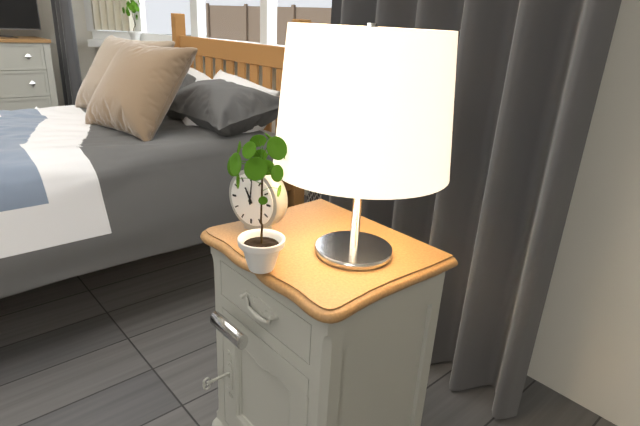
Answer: h=11 m=1
